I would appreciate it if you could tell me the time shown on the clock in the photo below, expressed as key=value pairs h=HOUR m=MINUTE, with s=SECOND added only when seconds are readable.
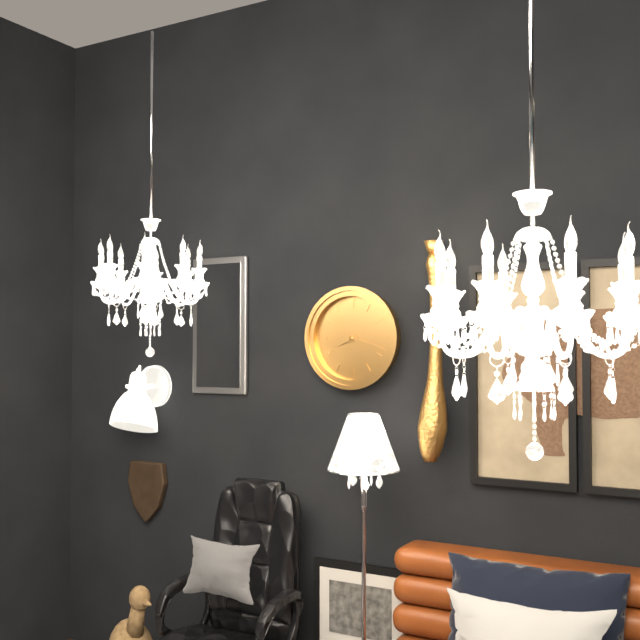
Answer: h=8 m=18
